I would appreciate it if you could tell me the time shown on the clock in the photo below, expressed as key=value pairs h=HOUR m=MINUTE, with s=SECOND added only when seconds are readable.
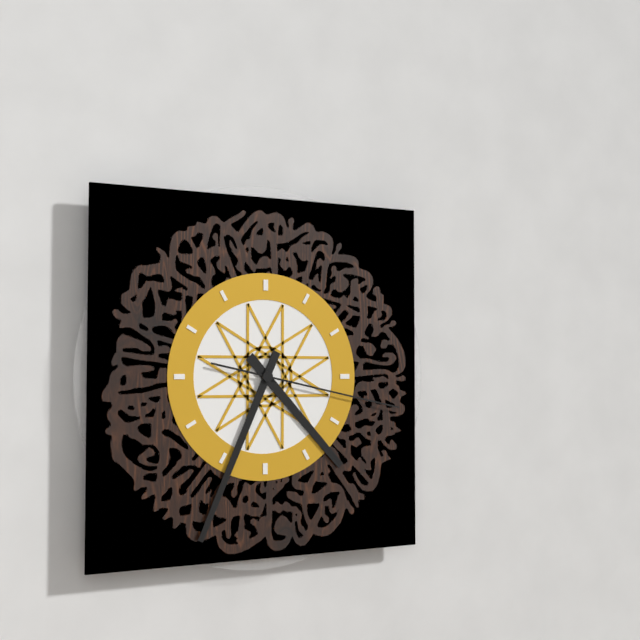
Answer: h=4 m=34 s=17
